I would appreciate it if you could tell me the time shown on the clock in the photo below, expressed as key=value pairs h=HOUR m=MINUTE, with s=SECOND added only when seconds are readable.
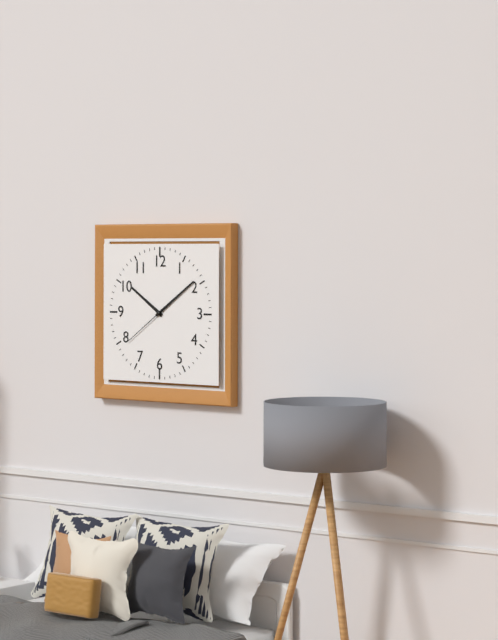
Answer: h=10 m=9 s=39
